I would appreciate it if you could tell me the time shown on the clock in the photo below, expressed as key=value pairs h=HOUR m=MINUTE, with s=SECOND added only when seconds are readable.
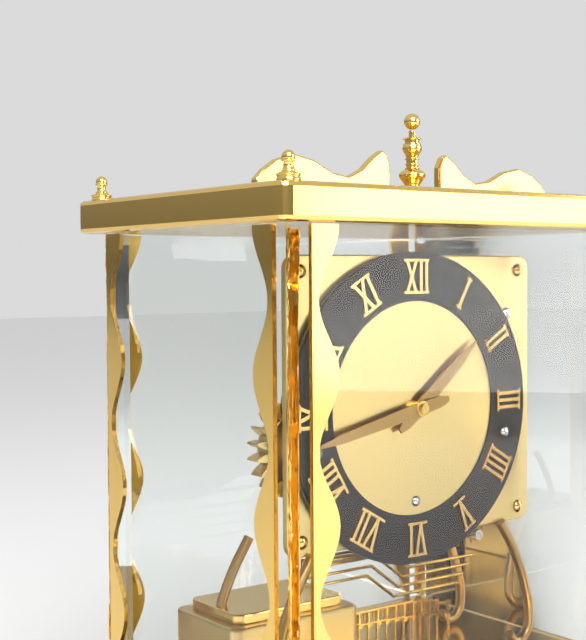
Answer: h=1 m=43
